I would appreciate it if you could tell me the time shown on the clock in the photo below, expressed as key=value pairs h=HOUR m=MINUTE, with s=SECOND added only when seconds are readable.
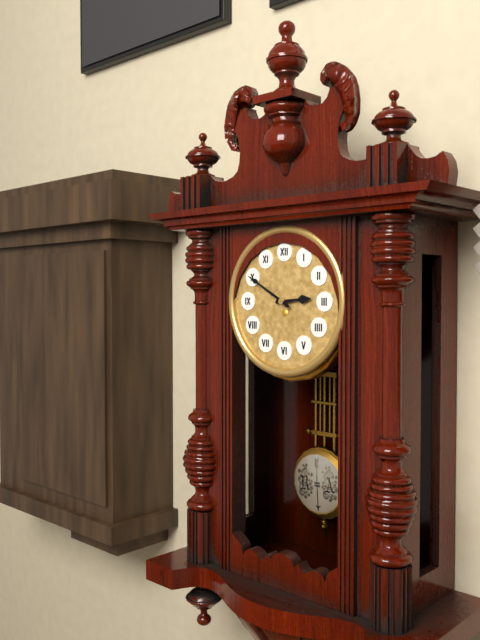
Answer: h=2 m=50
